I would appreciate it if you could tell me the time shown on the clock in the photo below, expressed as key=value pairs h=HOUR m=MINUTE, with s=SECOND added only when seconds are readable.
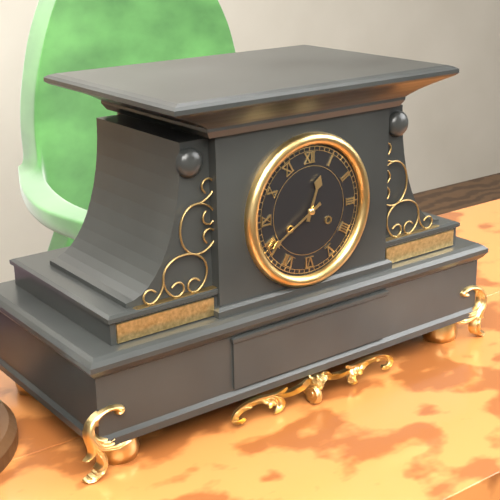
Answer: h=12 m=40
